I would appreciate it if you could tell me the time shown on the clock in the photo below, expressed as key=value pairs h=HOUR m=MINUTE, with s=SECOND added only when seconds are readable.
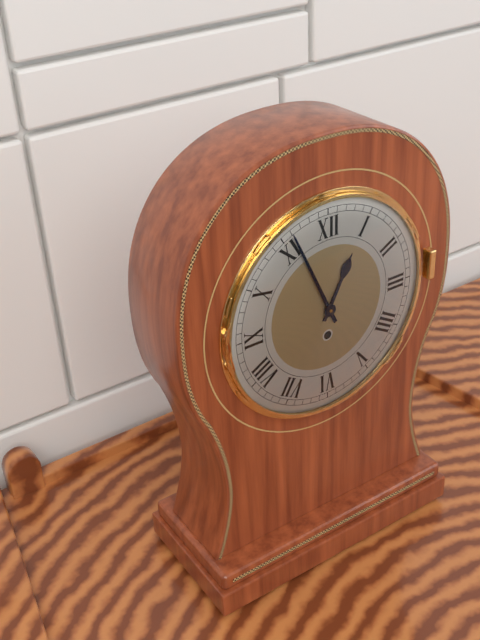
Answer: h=12 m=56
